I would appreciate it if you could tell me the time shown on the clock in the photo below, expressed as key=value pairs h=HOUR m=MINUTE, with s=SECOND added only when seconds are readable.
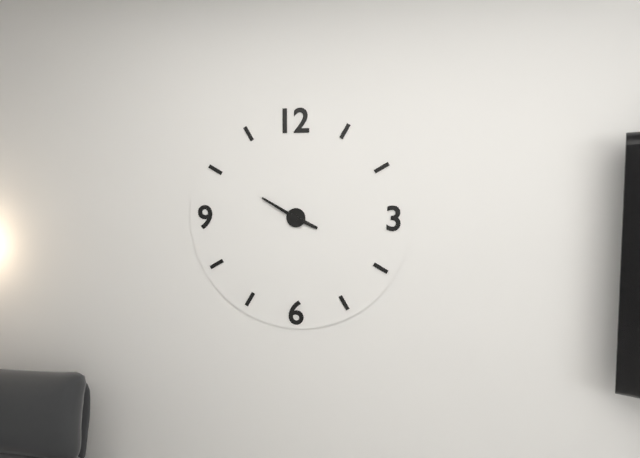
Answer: h=3 m=50
